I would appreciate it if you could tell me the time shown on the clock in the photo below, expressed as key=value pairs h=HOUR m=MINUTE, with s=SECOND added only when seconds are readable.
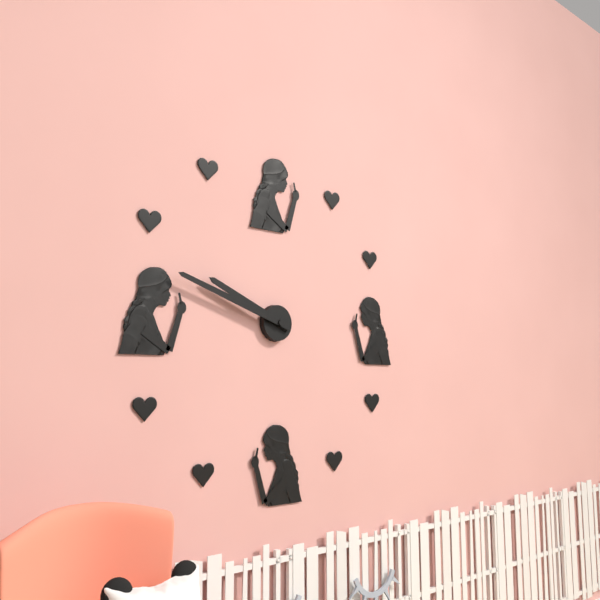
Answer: h=9 m=48
